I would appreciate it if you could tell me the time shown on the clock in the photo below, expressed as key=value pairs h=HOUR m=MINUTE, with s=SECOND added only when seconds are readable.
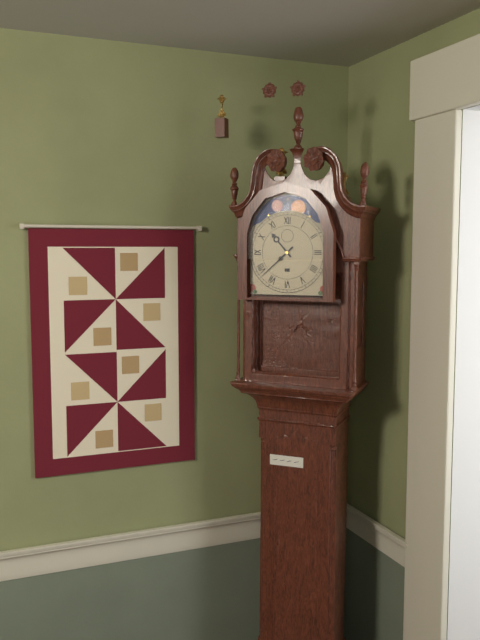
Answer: h=10 m=38
